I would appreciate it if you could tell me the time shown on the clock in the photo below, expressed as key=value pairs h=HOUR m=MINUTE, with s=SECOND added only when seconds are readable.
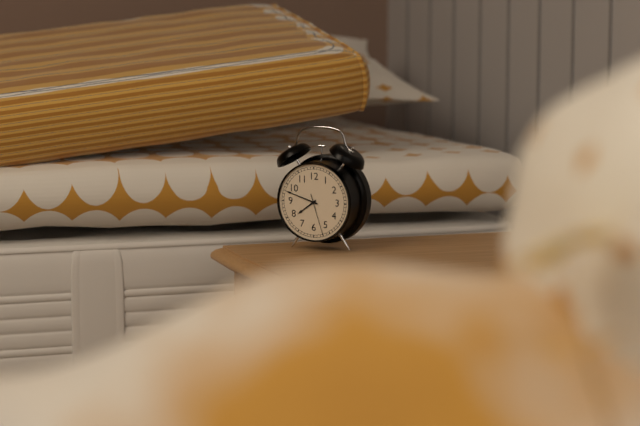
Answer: h=7 m=48
